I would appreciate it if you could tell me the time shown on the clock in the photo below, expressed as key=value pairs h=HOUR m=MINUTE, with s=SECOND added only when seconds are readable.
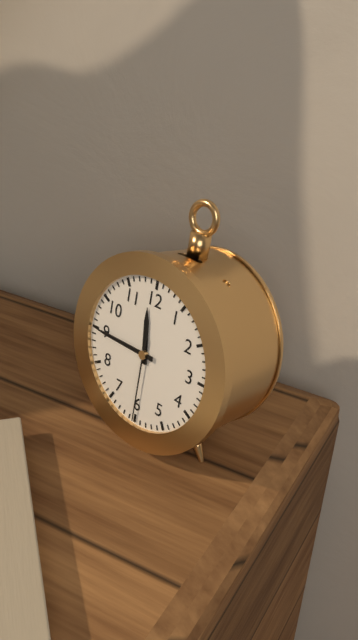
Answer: h=11 m=45 s=30
